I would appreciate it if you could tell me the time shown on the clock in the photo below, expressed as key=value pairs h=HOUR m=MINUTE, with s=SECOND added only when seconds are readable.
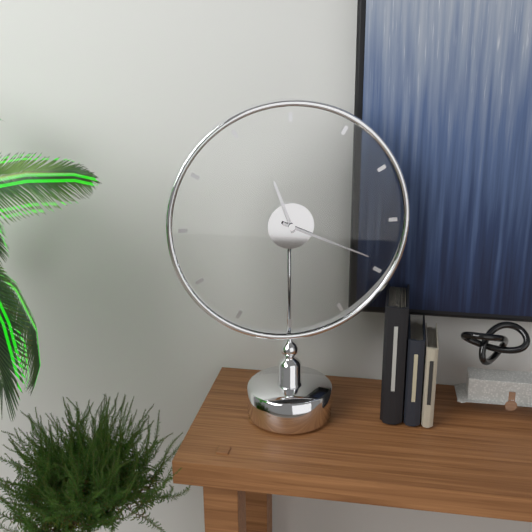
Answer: h=11 m=19
